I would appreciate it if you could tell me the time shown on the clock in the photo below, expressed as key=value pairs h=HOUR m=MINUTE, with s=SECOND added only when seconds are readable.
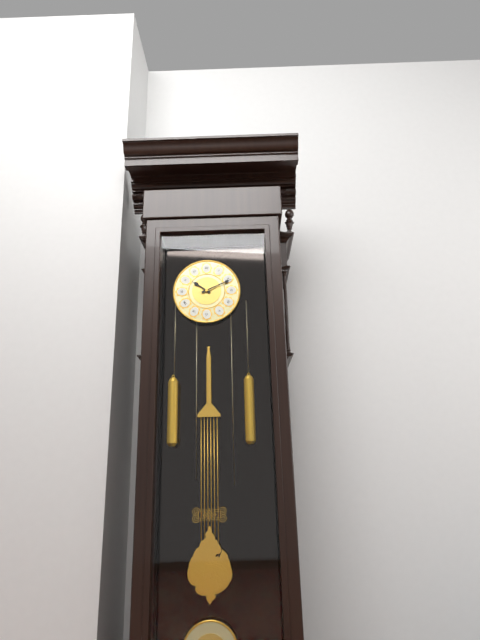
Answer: h=10 m=11
